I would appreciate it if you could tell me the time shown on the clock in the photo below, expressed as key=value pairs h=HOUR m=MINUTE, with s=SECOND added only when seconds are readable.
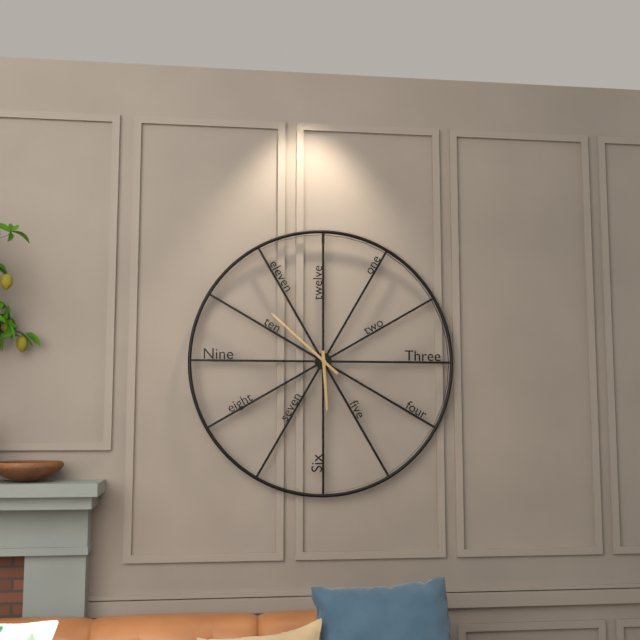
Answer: h=5 m=52
